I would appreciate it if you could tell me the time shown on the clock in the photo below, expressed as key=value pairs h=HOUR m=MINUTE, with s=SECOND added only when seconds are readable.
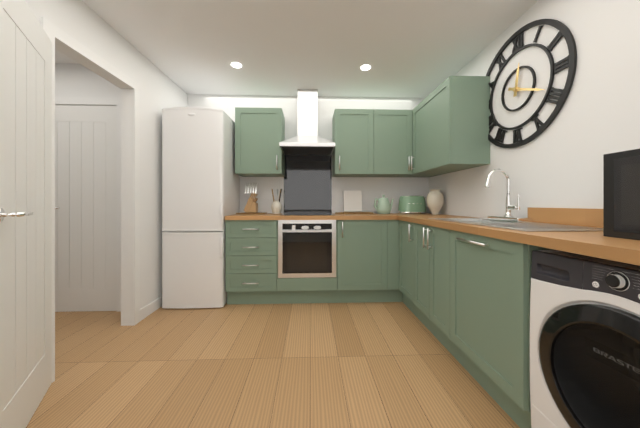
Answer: h=12 m=19
